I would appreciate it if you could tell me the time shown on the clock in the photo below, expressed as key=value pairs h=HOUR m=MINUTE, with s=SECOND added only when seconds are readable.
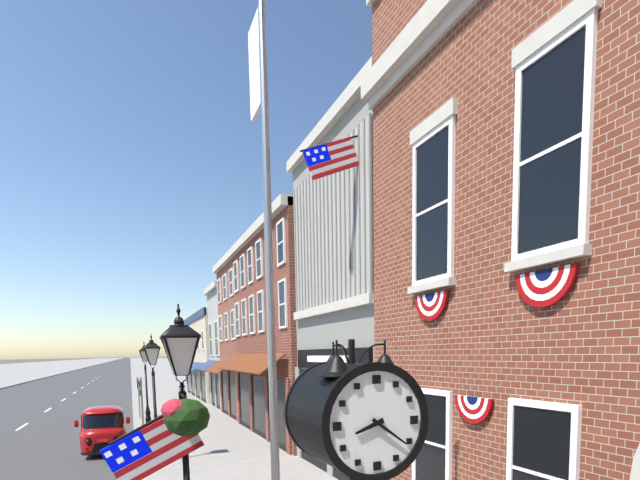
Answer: h=8 m=21
